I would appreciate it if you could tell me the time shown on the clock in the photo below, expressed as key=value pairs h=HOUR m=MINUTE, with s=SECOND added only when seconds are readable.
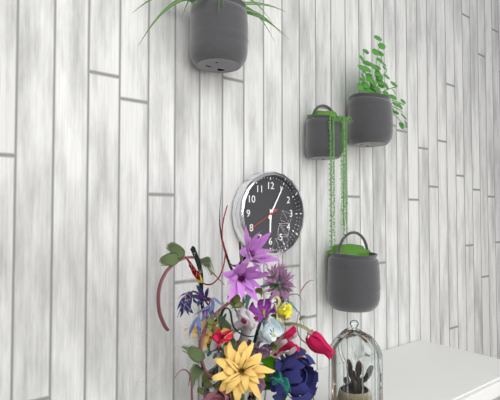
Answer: h=6 m=5
